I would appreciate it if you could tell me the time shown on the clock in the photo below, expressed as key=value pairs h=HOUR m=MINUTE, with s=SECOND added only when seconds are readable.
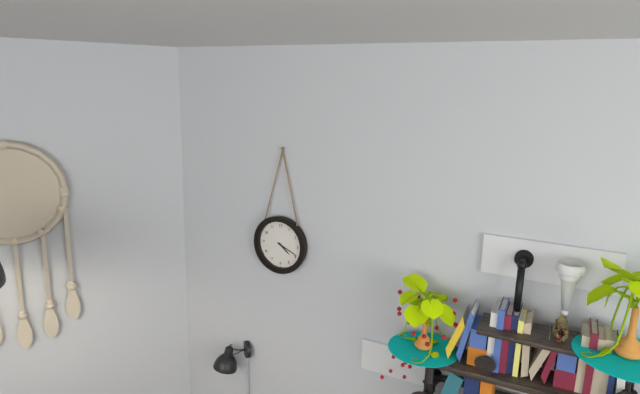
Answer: h=4 m=19
